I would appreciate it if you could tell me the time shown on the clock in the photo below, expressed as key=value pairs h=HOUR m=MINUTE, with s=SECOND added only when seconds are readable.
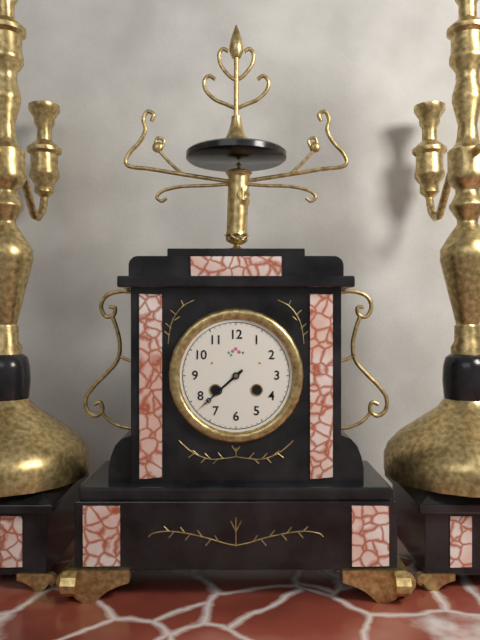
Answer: h=7 m=38
